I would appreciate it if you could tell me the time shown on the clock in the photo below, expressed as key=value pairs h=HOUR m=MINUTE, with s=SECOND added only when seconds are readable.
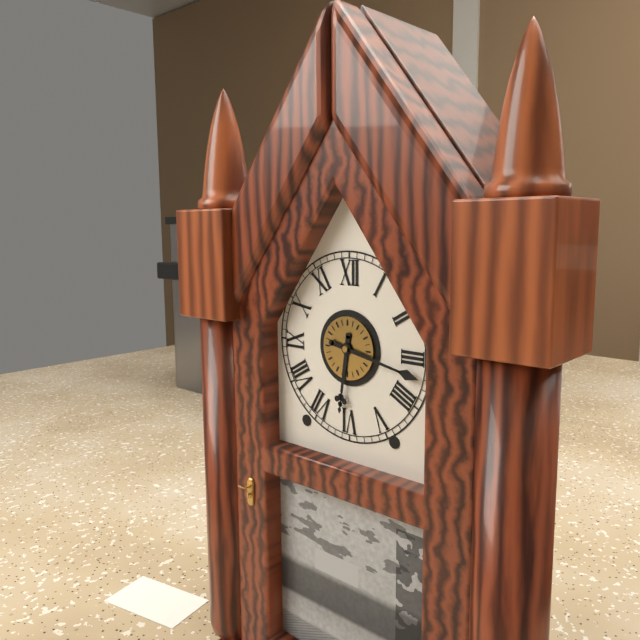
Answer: h=6 m=17
